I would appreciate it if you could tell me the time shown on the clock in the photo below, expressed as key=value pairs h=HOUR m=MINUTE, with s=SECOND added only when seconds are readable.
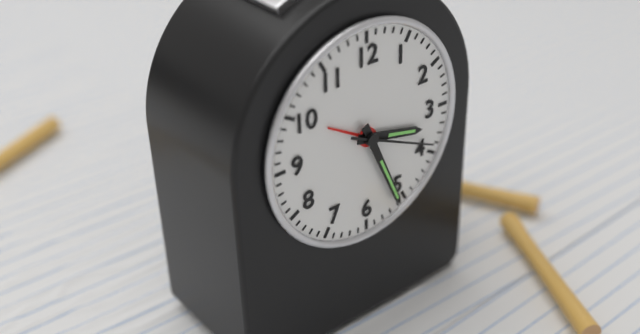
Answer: h=3 m=26 s=19
